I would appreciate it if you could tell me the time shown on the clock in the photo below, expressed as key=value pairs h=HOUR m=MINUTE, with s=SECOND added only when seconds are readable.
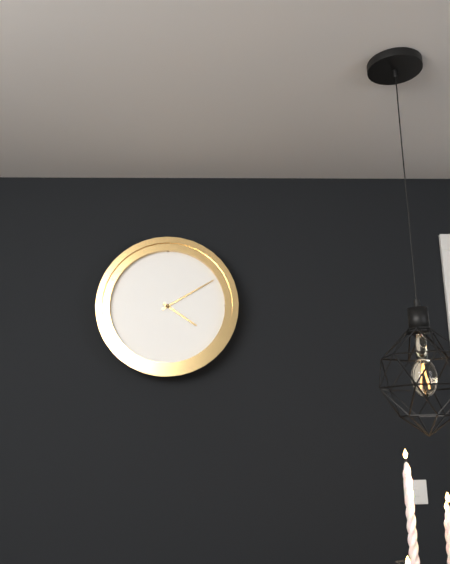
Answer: h=4 m=10
